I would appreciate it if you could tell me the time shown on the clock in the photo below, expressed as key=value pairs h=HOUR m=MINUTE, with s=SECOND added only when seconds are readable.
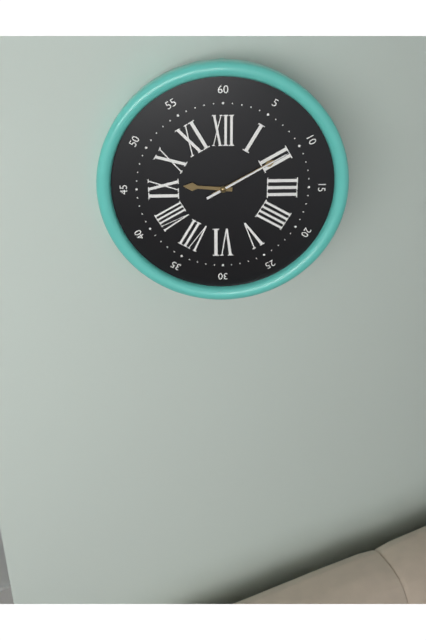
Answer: h=9 m=10 s=10
